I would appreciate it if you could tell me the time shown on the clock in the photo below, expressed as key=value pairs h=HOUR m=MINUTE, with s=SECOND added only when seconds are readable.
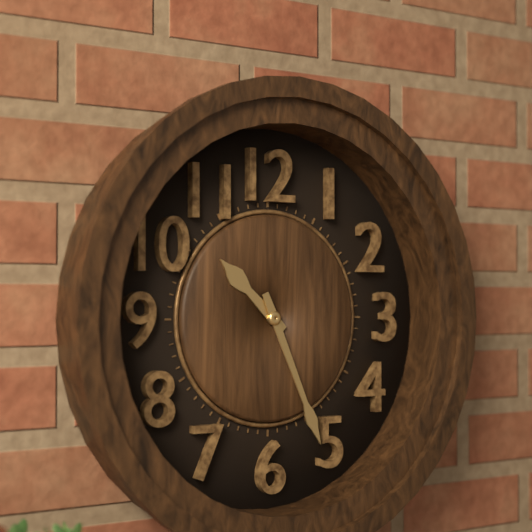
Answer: h=10 m=26
